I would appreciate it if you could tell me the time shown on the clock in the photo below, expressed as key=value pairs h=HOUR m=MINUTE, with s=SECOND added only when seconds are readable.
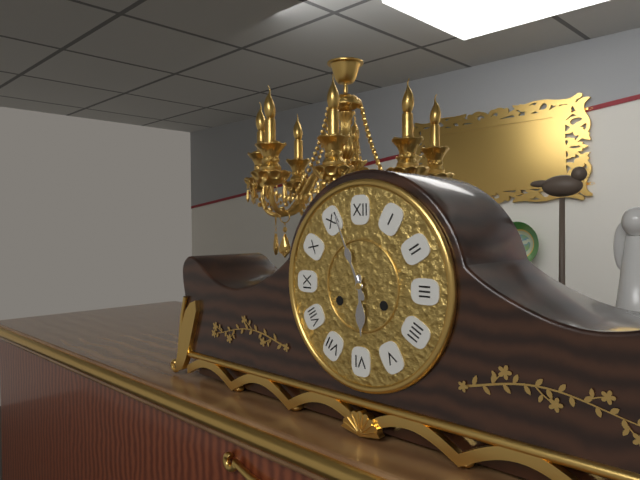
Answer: h=5 m=56
